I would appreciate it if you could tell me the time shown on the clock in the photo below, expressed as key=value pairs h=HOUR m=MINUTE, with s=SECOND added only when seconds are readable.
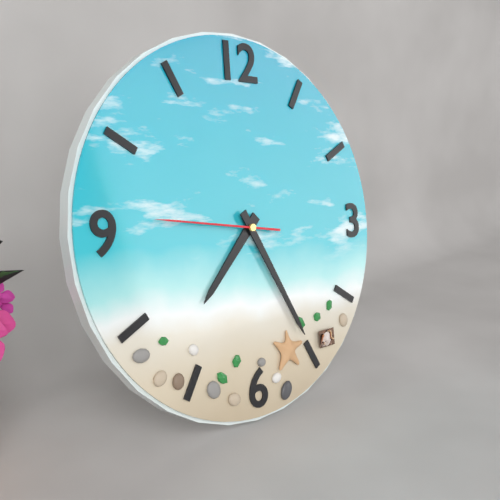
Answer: h=7 m=25 s=46
